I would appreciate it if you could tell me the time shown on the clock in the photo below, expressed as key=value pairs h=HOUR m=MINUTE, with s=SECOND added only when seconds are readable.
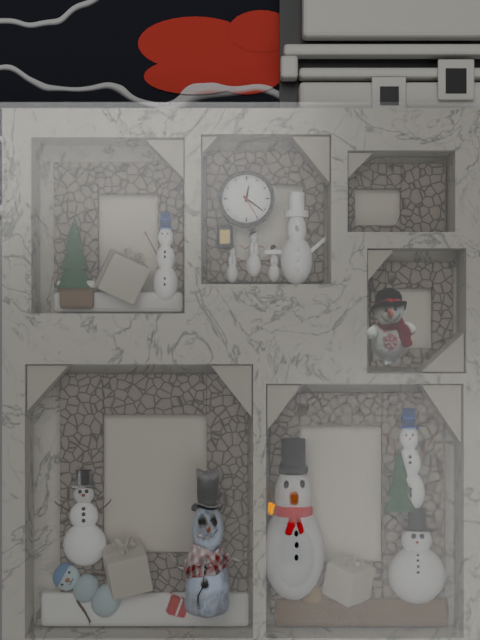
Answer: h=12 m=21
